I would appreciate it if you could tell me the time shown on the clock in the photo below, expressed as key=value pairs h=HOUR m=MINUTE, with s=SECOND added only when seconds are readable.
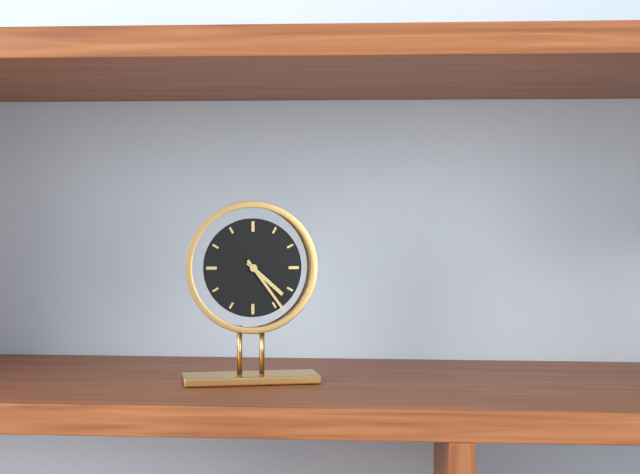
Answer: h=4 m=24
